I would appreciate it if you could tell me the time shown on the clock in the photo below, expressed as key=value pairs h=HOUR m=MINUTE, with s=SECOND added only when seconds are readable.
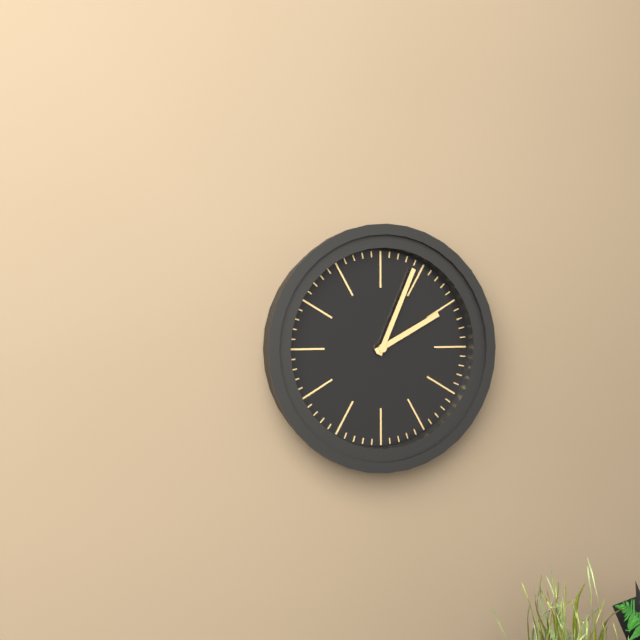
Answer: h=2 m=4
